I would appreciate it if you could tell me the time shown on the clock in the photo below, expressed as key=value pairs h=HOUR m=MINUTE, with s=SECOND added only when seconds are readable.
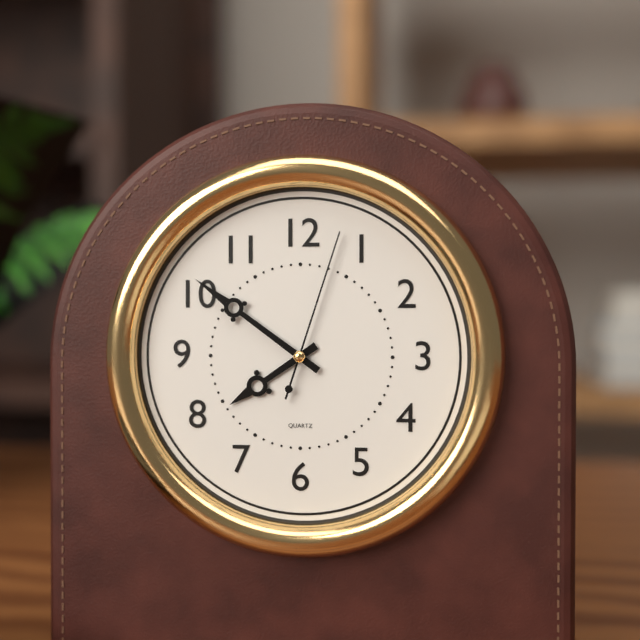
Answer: h=7 m=51 s=3
